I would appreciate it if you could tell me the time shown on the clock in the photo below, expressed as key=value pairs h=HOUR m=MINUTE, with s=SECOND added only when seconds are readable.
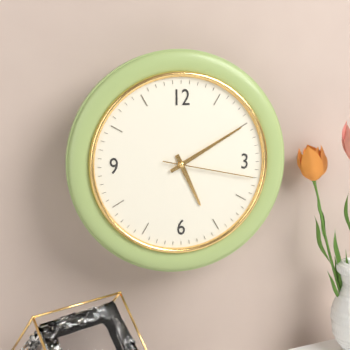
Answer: h=5 m=10 s=17
